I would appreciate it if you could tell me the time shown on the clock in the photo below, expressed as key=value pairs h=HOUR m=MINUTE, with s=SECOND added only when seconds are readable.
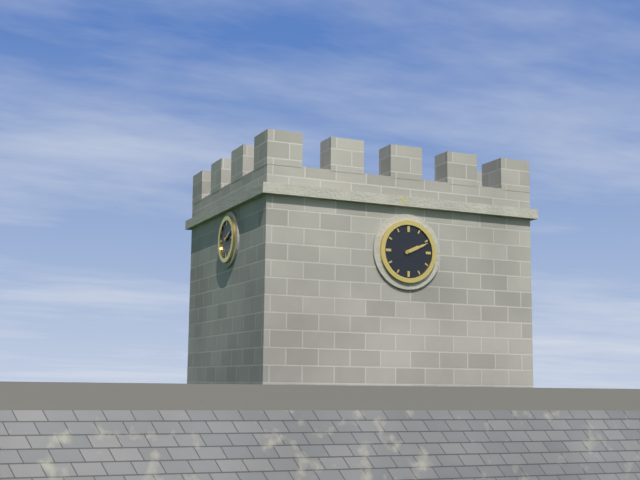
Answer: h=2 m=11
